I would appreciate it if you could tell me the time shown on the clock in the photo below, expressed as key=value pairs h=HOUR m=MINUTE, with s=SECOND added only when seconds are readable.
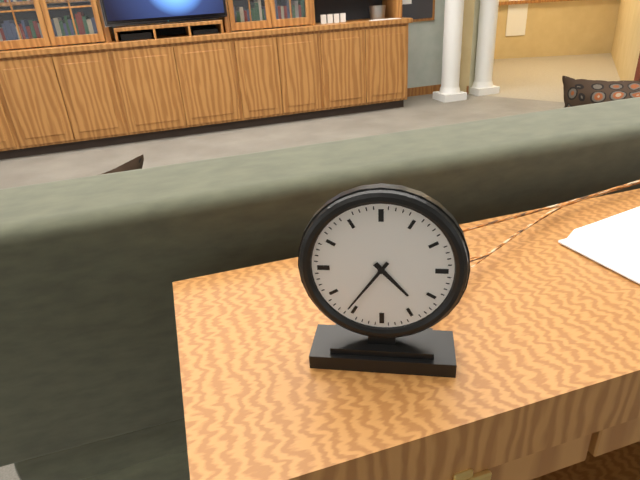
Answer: h=4 m=36
